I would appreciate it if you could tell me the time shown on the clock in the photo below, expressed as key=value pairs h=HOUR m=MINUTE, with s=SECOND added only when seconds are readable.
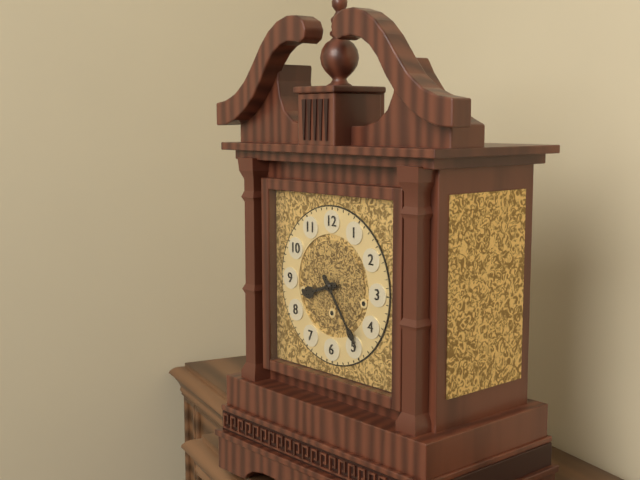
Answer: h=8 m=24
